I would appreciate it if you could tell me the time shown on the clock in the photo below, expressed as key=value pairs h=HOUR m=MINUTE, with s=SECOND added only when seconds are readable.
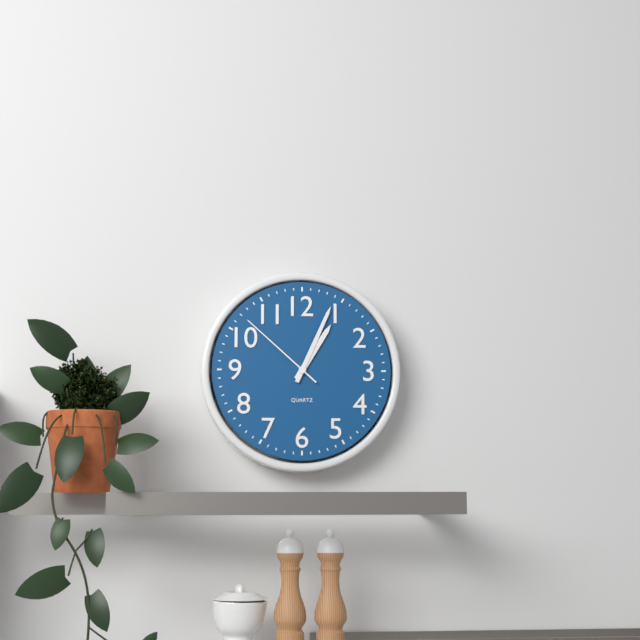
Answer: h=1 m=4 s=52
